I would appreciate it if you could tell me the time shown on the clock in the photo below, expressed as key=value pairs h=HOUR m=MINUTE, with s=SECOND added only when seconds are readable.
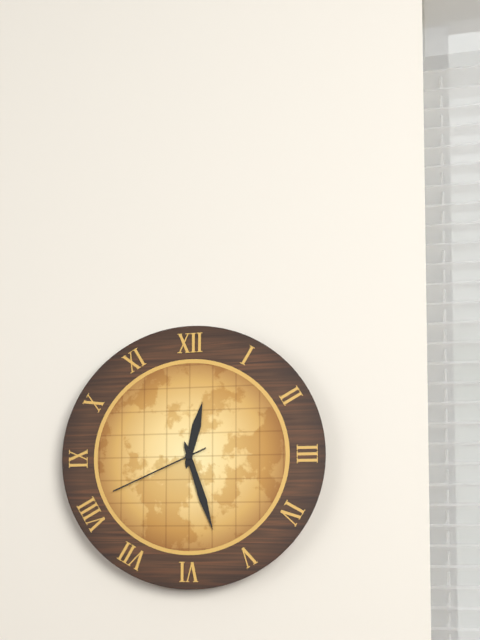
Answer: h=12 m=27 s=41
